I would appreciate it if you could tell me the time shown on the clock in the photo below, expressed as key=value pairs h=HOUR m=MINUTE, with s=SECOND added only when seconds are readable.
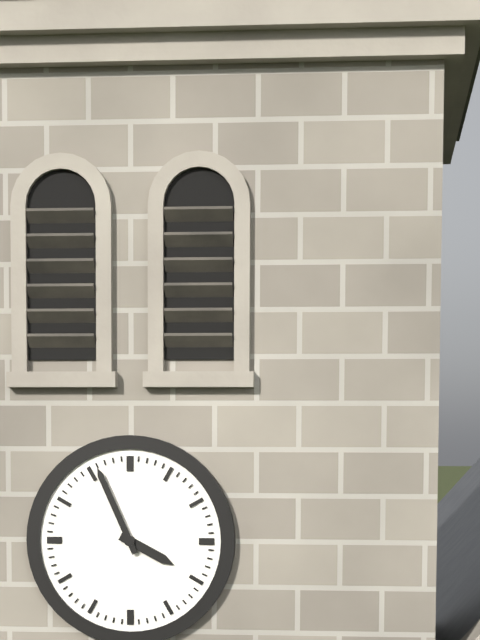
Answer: h=3 m=56
